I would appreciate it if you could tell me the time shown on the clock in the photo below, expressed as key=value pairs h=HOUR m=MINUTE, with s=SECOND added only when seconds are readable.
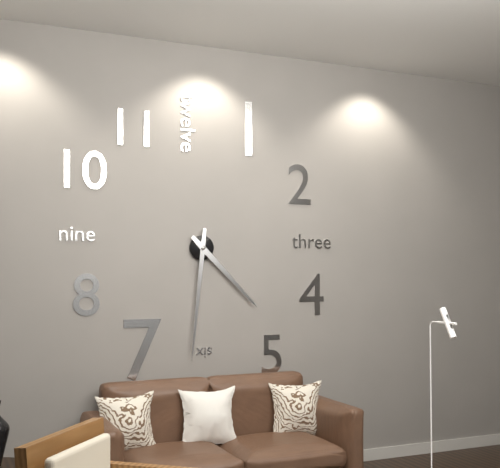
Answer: h=4 m=31
